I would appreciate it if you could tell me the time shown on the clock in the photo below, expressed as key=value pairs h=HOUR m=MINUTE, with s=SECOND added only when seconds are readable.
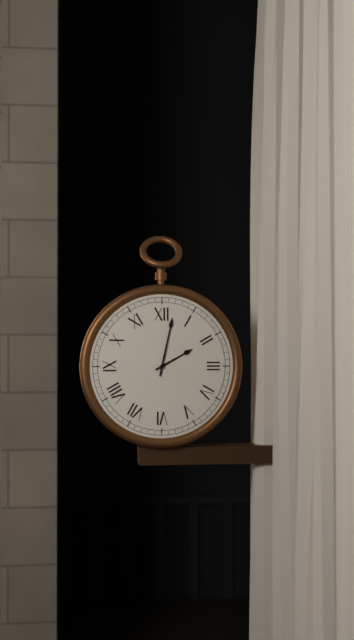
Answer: h=2 m=2
